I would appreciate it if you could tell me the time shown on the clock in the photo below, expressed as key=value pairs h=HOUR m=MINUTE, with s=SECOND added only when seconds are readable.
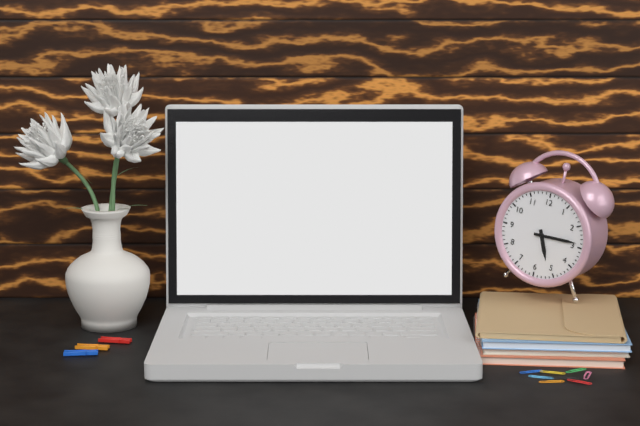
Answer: h=5 m=14
